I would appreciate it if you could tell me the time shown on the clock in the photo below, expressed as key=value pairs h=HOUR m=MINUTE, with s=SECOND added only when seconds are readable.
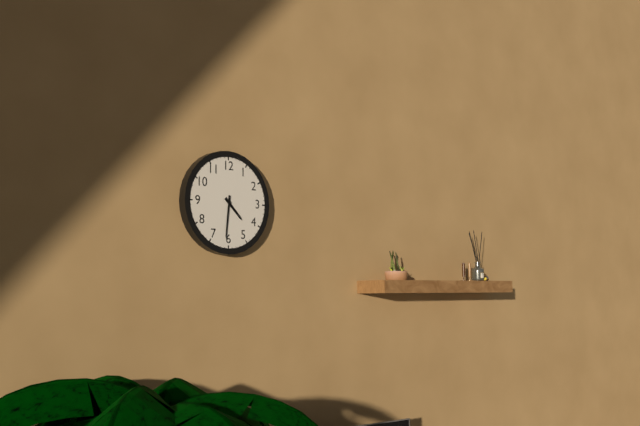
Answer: h=4 m=31
